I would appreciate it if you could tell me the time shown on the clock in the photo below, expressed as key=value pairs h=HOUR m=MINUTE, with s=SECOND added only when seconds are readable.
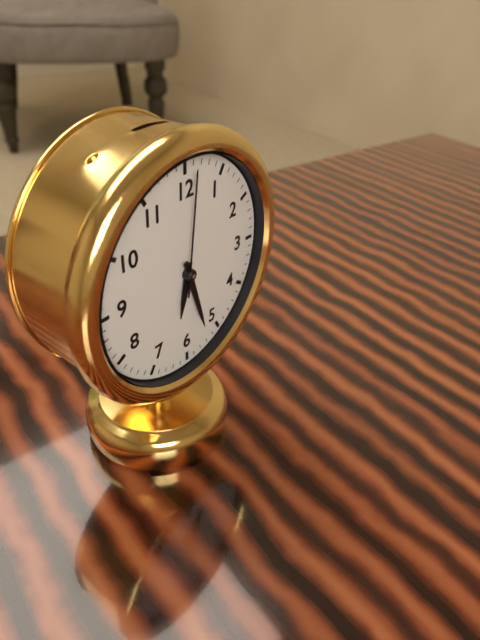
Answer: h=6 m=27 s=1
